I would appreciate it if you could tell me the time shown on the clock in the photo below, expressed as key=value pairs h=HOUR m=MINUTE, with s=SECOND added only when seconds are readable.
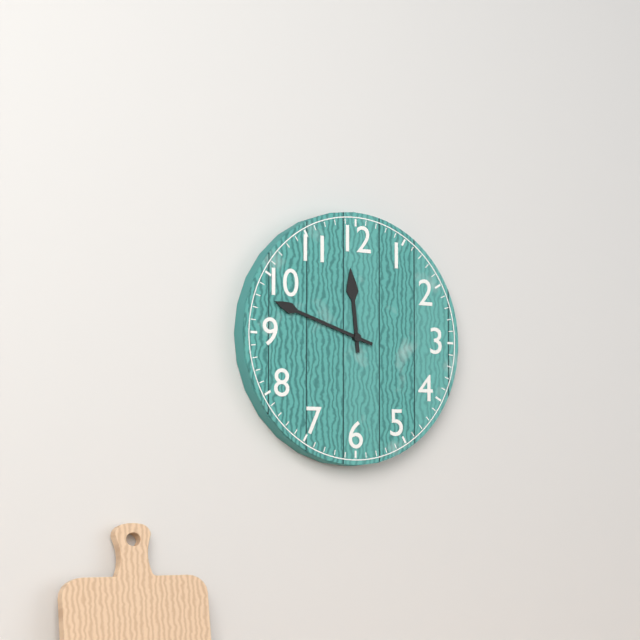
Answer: h=11 m=48
